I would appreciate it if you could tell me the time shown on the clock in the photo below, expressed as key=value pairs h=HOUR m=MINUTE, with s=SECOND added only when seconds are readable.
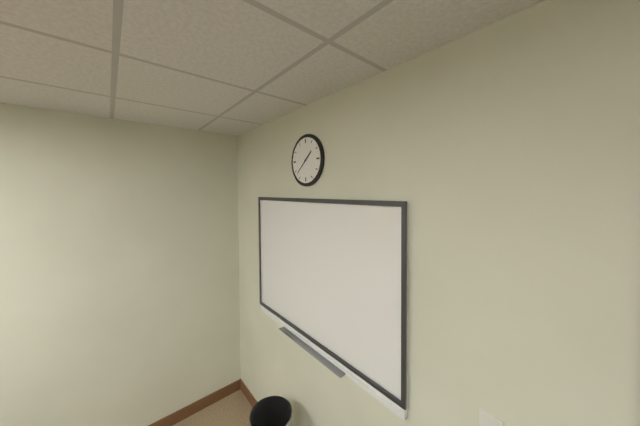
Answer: h=1 m=38
